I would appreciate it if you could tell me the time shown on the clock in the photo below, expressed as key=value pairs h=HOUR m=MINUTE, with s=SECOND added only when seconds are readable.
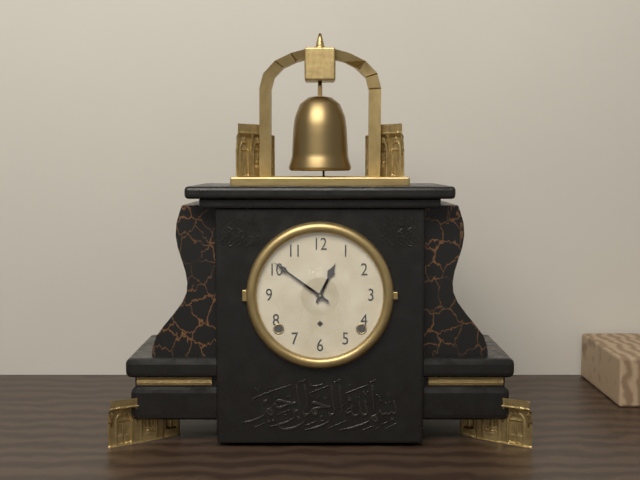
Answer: h=12 m=51
